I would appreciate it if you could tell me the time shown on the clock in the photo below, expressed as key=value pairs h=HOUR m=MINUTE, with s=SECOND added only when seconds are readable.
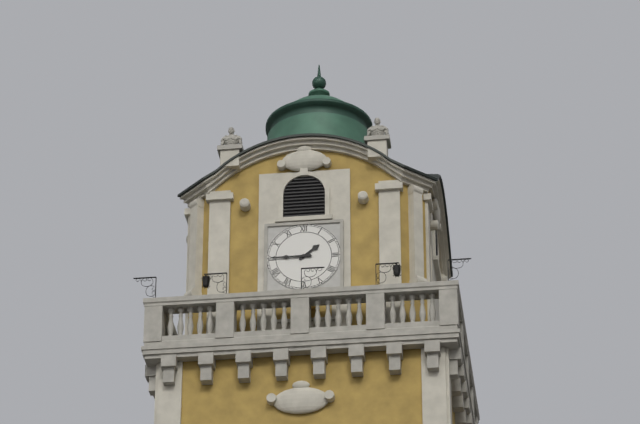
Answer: h=1 m=45
